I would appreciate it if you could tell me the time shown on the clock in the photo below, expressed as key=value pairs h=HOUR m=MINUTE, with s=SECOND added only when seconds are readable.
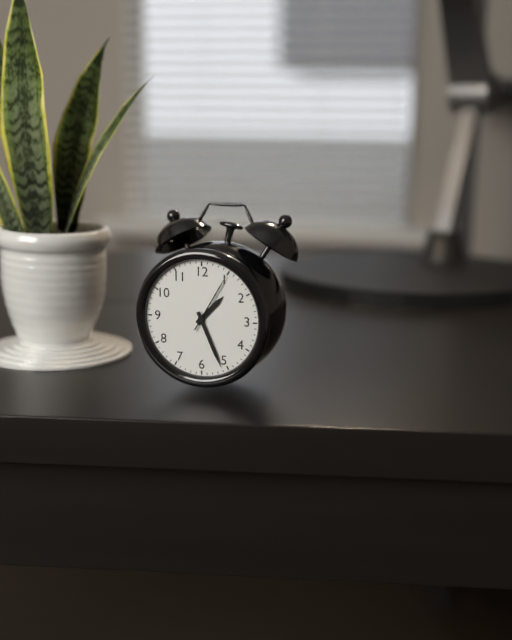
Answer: h=1 m=26 s=5
